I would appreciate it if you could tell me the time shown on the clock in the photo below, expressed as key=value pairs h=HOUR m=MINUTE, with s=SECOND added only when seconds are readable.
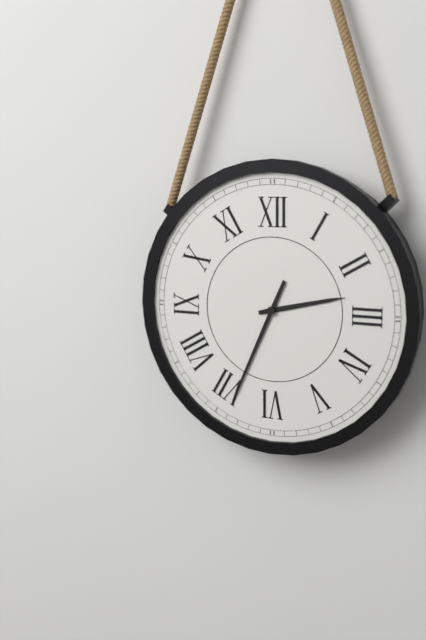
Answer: h=2 m=34
